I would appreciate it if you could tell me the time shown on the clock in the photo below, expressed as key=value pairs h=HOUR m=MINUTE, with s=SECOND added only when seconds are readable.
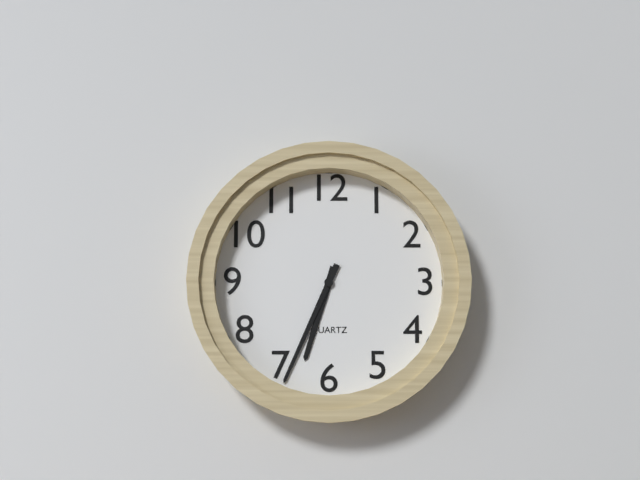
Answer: h=6 m=34
